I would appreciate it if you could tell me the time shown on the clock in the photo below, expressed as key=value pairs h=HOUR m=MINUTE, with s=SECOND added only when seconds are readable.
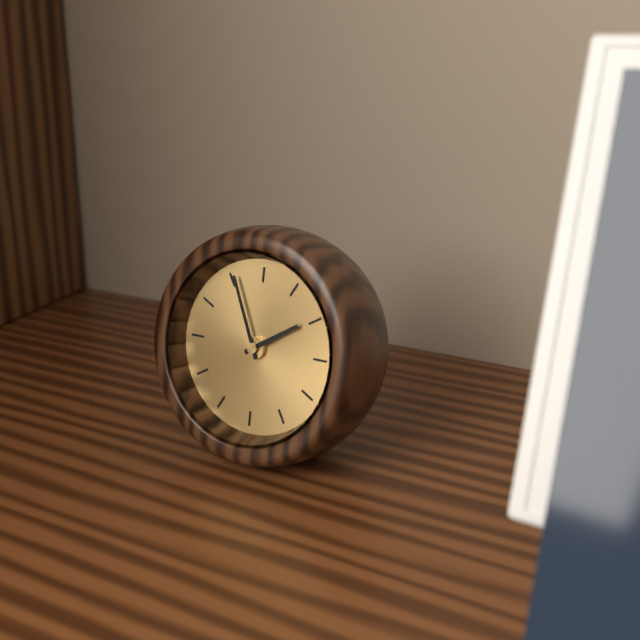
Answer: h=1 m=56
